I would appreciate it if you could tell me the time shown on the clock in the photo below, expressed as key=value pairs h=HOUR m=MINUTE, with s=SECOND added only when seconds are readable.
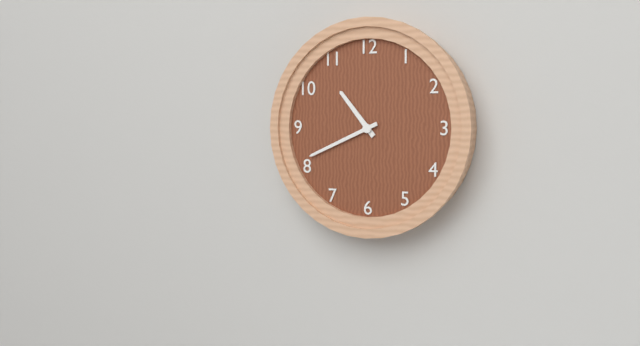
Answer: h=10 m=41
